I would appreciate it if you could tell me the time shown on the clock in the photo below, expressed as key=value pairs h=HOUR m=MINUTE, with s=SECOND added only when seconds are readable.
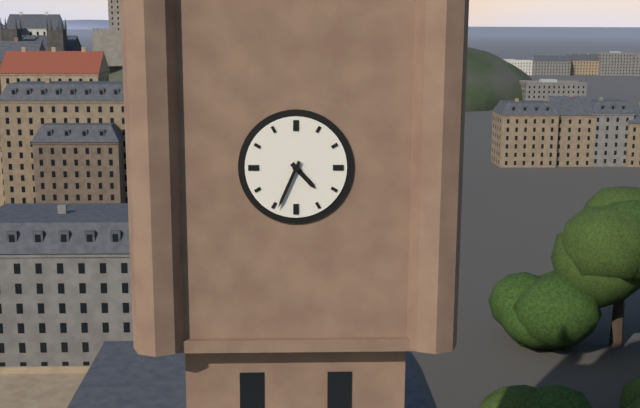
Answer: h=4 m=34
